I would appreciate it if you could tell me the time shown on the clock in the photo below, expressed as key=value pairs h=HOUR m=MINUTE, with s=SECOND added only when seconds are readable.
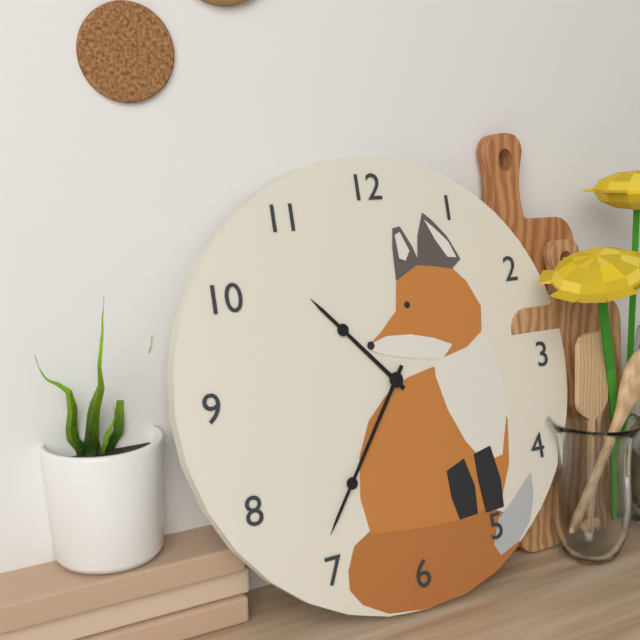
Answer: h=10 m=36
